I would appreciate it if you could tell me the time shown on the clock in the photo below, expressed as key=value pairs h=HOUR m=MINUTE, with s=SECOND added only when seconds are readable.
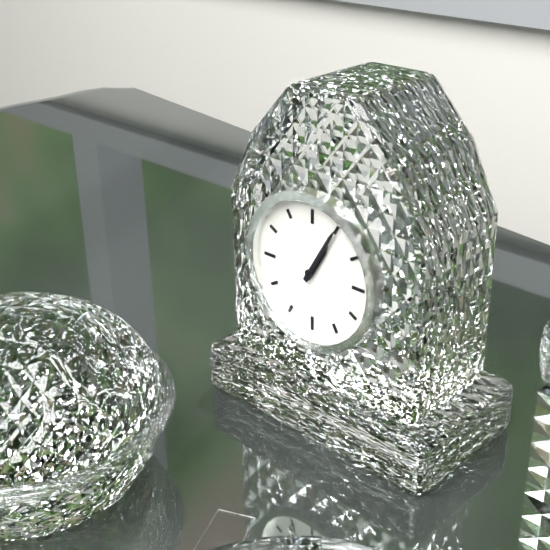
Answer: h=1 m=5
